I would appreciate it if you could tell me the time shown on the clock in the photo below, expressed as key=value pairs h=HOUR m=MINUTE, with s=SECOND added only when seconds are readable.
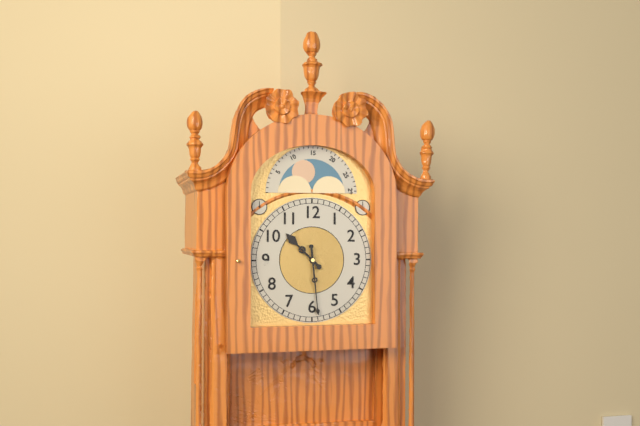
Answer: h=10 m=29
